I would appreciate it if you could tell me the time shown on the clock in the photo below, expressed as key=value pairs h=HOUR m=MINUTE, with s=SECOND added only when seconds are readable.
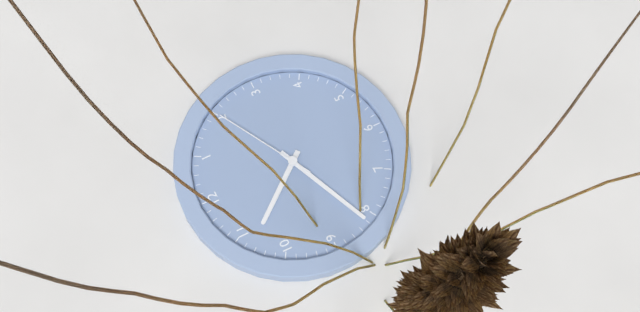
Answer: h=10 m=41 s=10
